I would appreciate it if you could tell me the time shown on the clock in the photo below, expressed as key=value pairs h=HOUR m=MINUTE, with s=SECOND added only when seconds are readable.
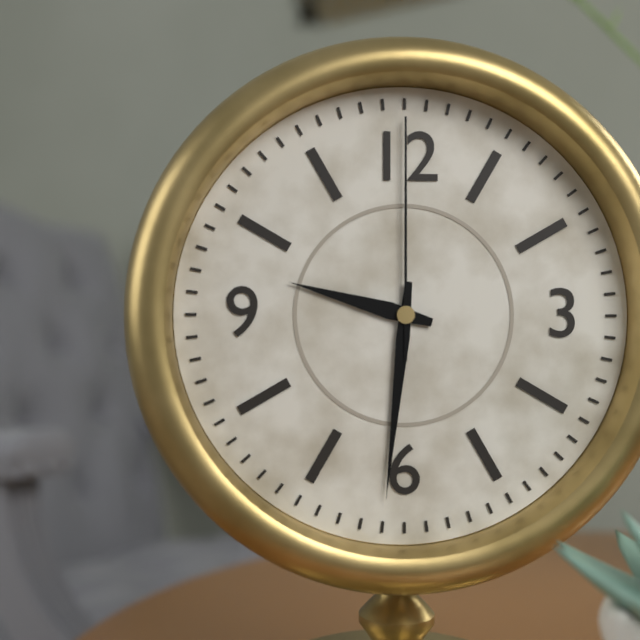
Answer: h=9 m=31 s=0
